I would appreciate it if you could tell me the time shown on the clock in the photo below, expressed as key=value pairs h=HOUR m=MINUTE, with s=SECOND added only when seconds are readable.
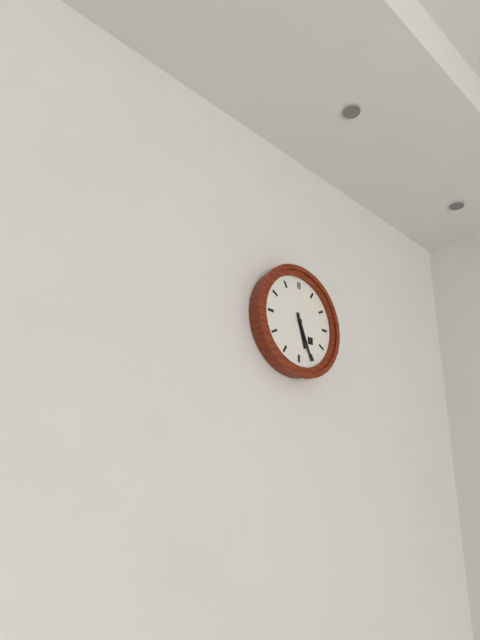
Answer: h=5 m=26
